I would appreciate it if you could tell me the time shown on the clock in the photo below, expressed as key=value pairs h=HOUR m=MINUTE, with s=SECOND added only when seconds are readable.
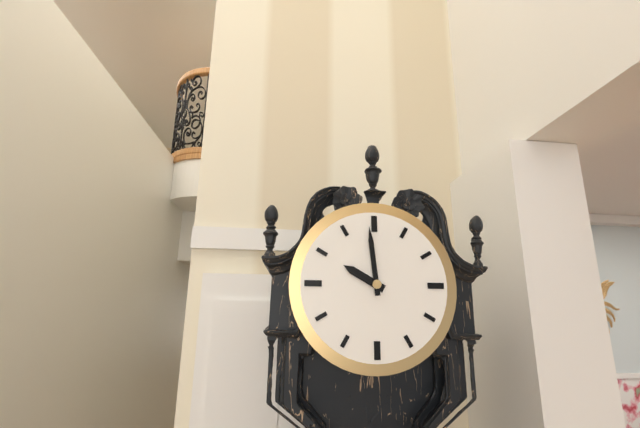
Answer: h=9 m=59
